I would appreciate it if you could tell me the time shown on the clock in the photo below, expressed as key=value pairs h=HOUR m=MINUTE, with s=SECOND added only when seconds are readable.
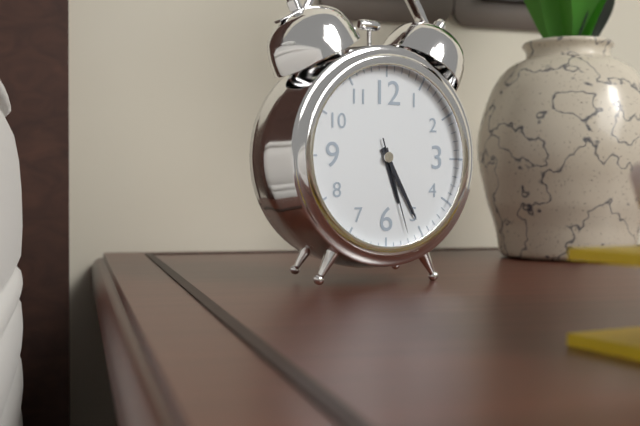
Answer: h=5 m=25 s=27
